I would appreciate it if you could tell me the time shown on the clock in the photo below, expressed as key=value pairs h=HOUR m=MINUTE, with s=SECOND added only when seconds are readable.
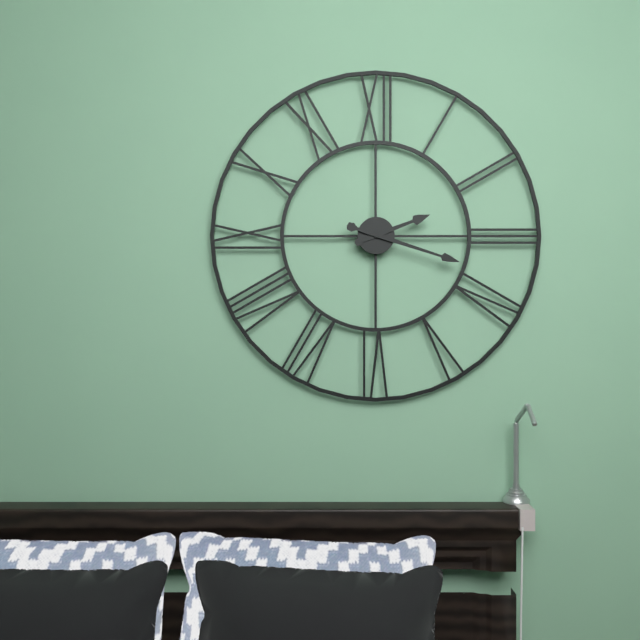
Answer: h=2 m=18
